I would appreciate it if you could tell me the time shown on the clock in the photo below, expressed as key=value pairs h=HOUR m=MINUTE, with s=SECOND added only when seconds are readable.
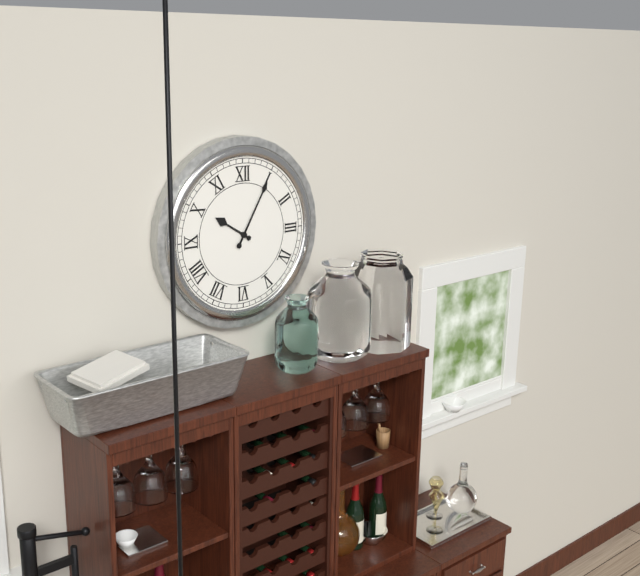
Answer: h=10 m=5
